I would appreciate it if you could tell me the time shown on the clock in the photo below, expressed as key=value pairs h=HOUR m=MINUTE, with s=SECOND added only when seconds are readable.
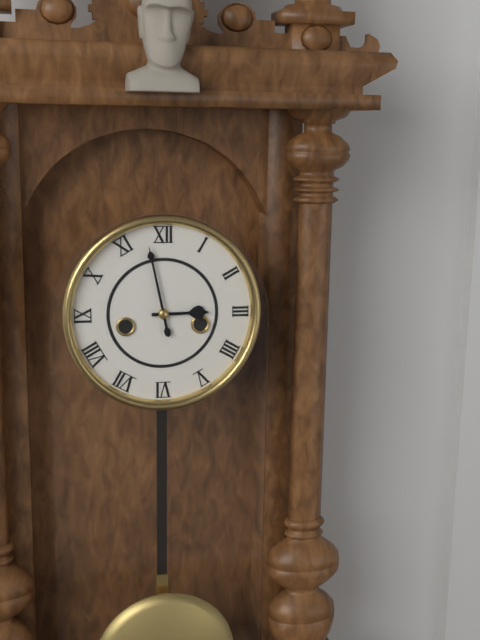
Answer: h=2 m=58
